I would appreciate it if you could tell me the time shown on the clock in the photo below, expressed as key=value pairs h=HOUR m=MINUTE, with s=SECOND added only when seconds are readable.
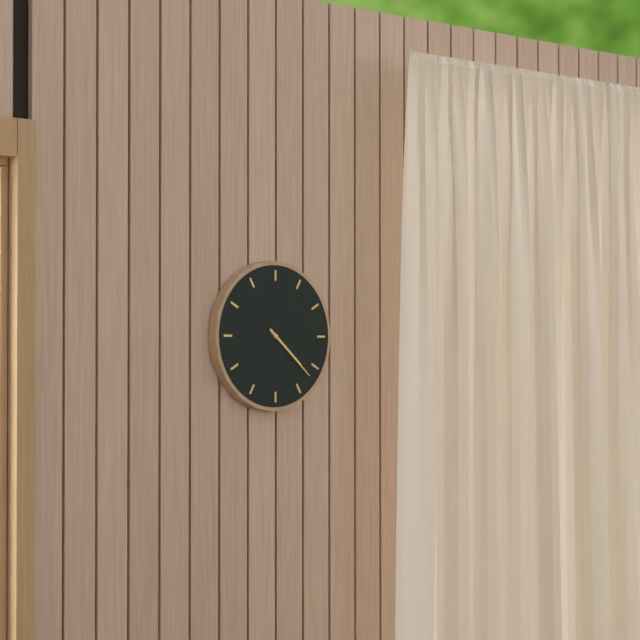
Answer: h=4 m=22
